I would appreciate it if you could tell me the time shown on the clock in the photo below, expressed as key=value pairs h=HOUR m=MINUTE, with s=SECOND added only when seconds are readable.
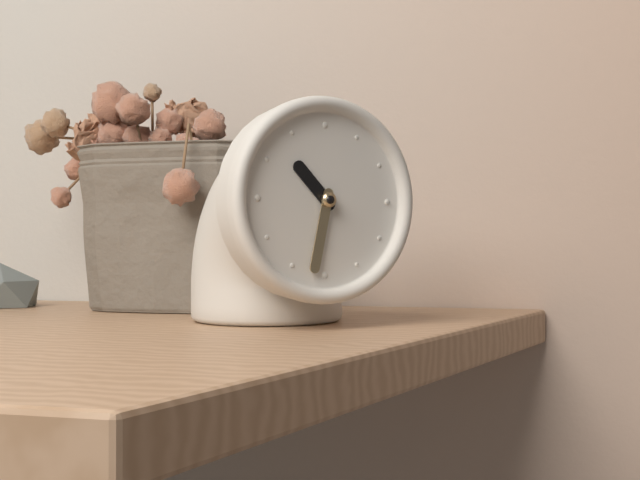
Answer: h=10 m=32
